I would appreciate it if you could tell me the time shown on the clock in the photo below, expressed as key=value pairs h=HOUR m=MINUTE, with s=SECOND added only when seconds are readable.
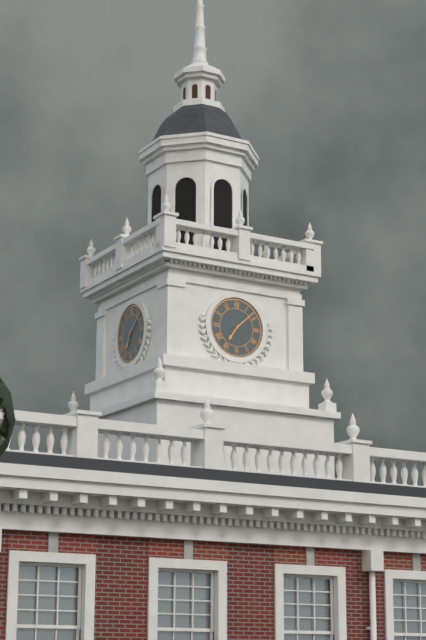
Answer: h=7 m=8
